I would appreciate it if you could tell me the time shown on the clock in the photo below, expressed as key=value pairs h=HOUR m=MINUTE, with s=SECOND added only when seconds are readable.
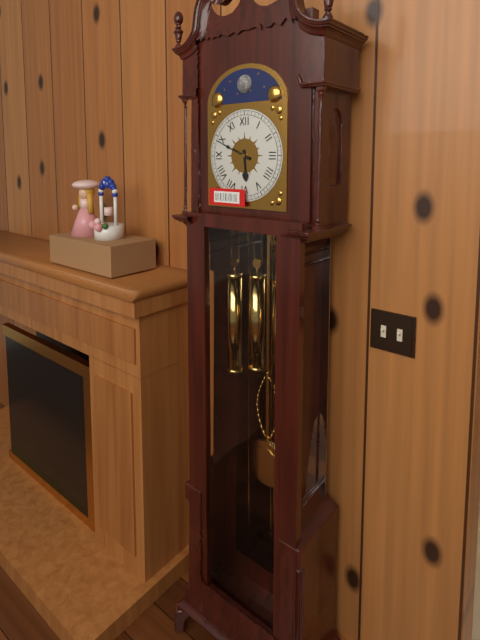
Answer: h=5 m=49
